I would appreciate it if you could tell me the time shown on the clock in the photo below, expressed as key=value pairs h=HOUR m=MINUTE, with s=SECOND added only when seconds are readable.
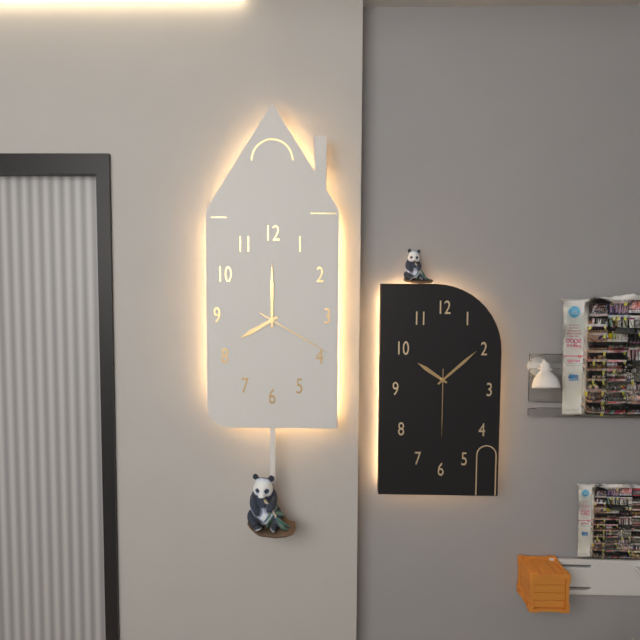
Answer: h=8 m=0 s=20
